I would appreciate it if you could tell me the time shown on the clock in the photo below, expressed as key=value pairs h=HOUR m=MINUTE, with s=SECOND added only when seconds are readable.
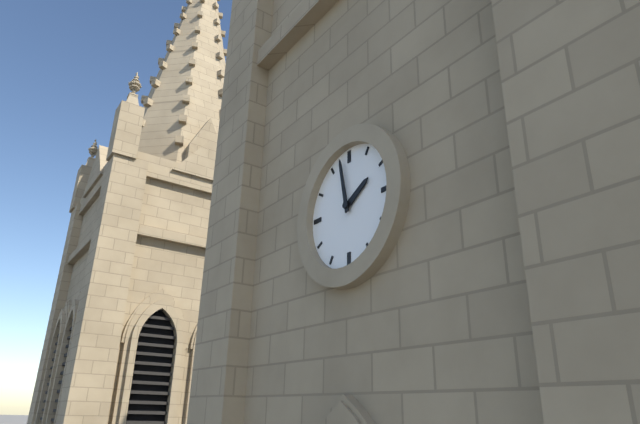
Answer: h=1 m=58
